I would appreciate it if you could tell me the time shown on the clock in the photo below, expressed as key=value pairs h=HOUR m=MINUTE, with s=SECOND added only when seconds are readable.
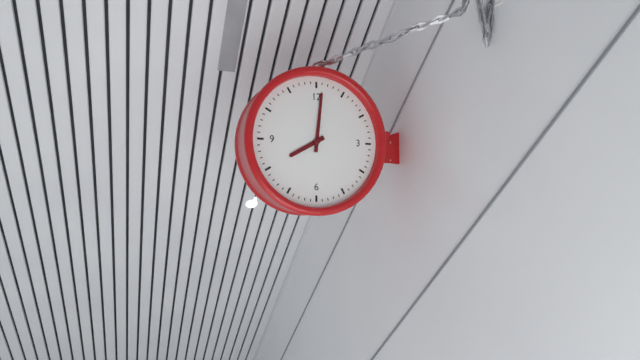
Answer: h=8 m=1
